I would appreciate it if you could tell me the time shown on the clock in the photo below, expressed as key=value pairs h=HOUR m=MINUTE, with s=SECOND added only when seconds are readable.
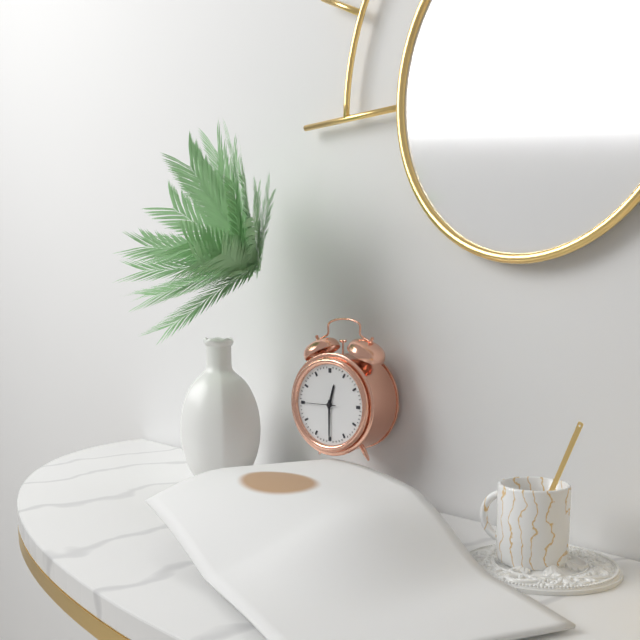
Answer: h=12 m=30
